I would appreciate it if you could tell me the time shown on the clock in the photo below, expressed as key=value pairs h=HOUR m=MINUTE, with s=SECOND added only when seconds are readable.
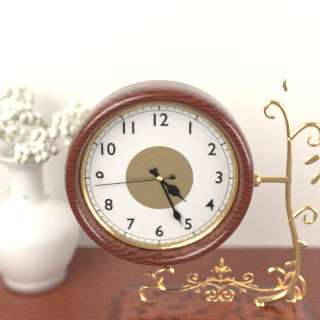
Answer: h=4 m=26 s=44
